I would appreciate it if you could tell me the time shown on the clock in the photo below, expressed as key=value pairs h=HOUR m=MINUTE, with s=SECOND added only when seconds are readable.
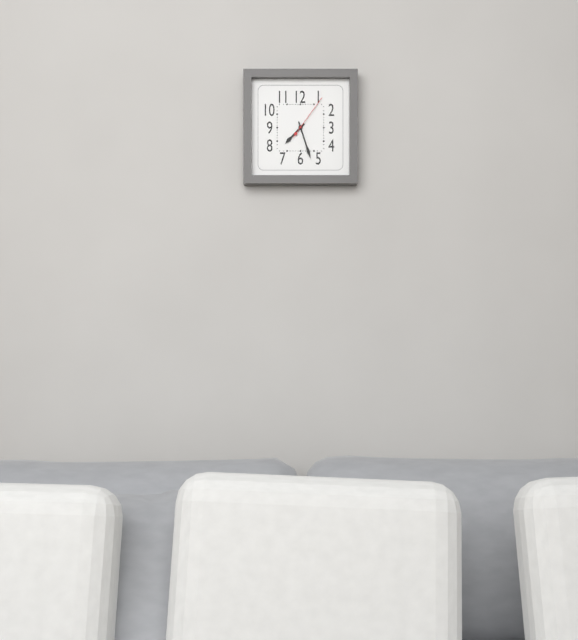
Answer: h=7 m=27
